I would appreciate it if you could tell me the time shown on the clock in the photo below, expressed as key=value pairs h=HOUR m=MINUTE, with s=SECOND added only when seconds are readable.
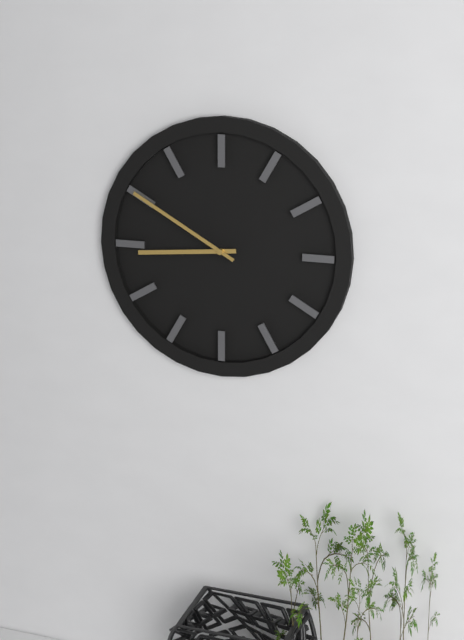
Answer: h=8 m=50
